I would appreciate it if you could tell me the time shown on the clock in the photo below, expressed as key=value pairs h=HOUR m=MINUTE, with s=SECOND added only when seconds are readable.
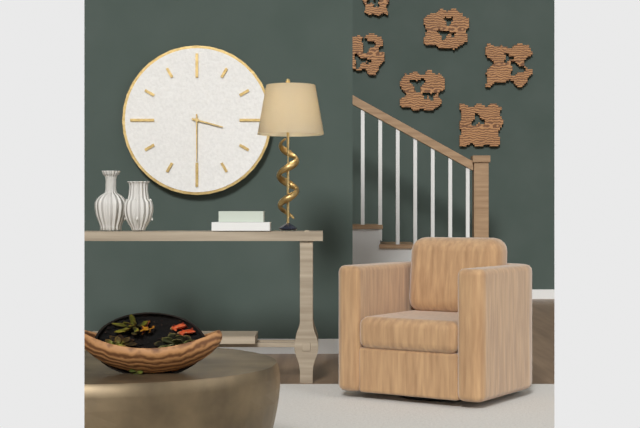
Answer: h=3 m=30
